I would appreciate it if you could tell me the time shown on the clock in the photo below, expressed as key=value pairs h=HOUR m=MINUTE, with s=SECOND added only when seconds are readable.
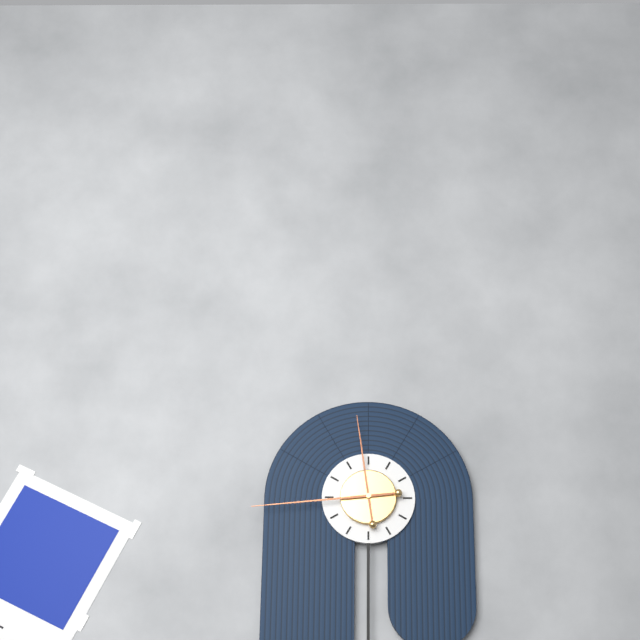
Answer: h=11 m=44
